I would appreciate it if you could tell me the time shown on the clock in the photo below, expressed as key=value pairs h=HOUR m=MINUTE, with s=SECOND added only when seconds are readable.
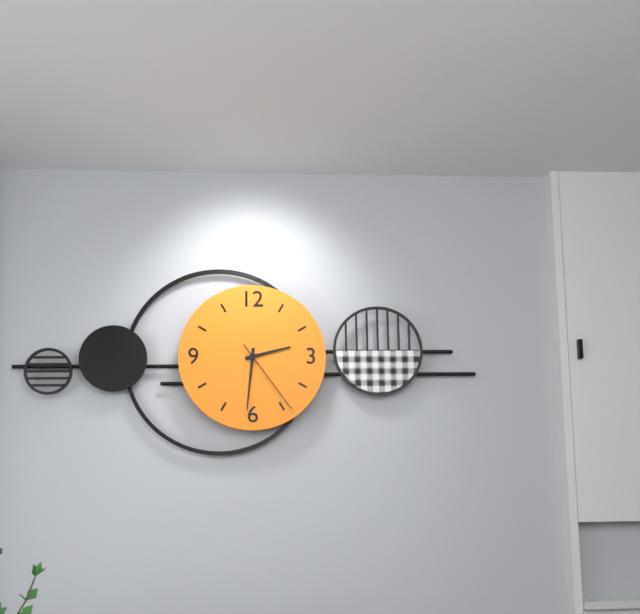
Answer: h=2 m=31 s=24
